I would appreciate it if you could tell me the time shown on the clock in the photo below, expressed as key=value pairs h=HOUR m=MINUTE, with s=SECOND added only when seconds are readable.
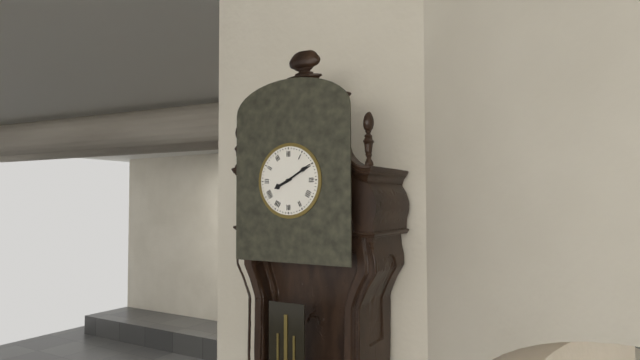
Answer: h=8 m=10
